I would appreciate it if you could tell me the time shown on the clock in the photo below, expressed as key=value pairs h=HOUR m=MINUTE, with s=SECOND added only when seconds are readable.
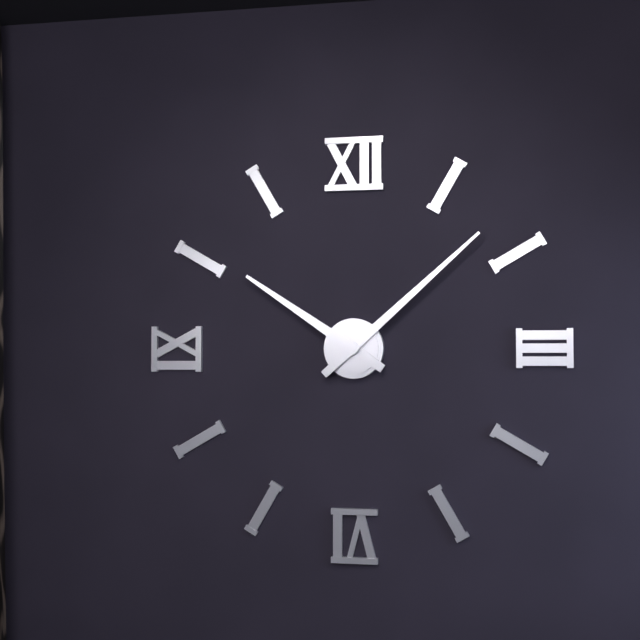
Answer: h=10 m=8
